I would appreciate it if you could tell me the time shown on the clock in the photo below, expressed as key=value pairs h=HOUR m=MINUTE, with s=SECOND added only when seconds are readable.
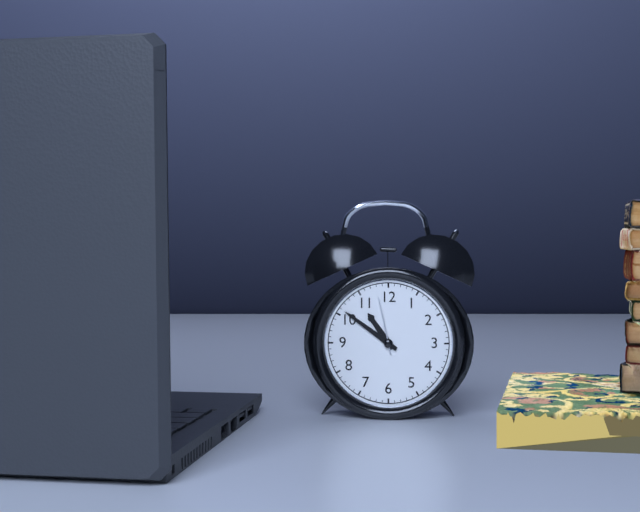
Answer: h=10 m=51 s=58
